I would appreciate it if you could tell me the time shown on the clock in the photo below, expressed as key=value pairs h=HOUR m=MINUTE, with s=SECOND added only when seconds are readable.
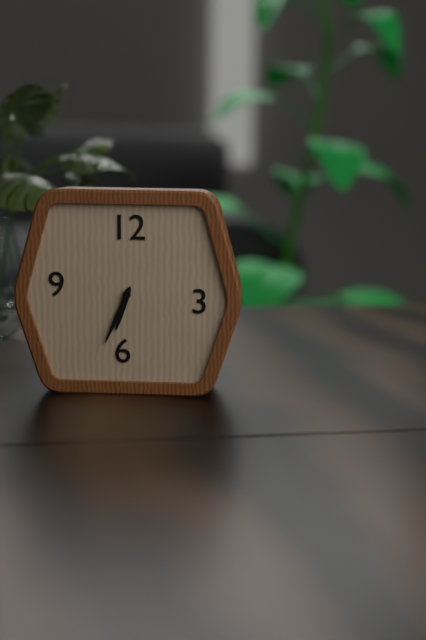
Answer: h=6 m=34
